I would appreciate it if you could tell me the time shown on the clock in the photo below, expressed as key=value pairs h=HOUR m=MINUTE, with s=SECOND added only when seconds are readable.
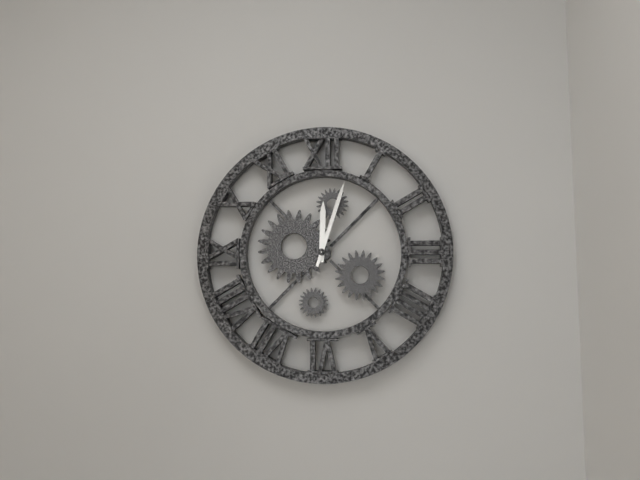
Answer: h=12 m=3
